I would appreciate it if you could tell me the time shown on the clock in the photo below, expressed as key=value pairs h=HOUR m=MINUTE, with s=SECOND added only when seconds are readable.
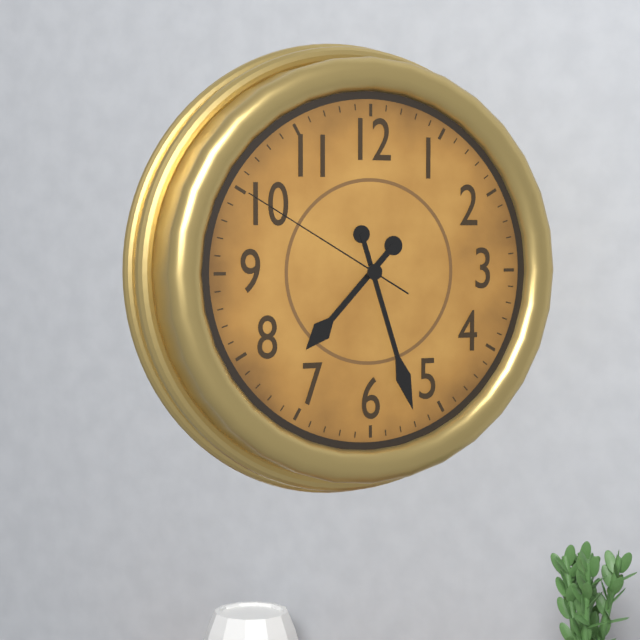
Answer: h=7 m=27 s=50
